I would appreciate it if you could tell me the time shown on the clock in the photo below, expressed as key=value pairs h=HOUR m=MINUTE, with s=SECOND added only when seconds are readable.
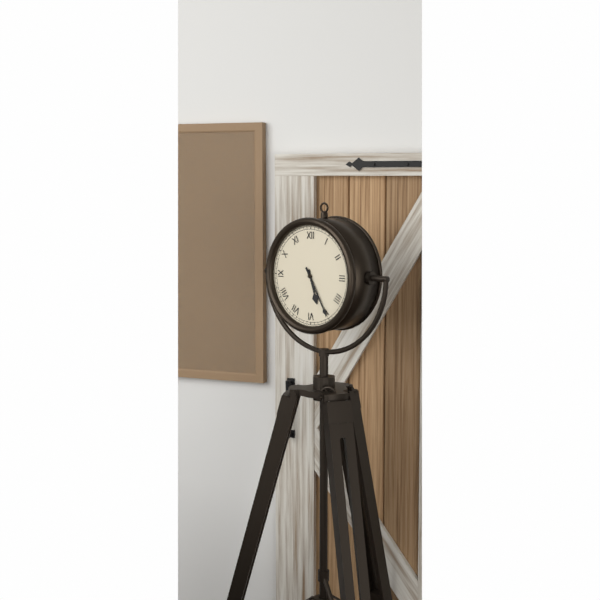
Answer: h=5 m=25
